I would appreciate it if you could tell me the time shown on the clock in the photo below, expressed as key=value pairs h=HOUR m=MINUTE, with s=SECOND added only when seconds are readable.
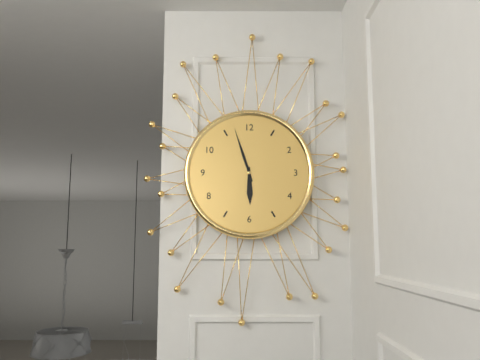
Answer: h=5 m=57
